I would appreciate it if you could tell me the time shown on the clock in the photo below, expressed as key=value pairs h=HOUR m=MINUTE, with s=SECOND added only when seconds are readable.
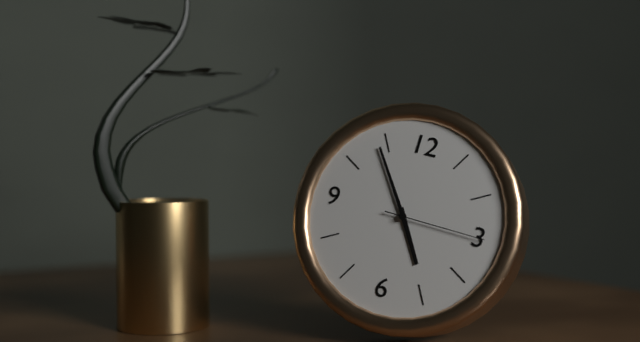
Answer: h=4 m=54 s=15
